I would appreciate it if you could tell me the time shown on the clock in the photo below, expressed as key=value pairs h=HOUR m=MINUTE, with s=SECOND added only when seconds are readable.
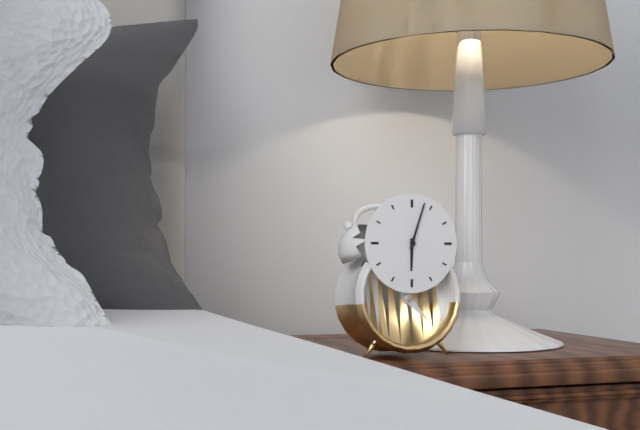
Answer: h=6 m=3
